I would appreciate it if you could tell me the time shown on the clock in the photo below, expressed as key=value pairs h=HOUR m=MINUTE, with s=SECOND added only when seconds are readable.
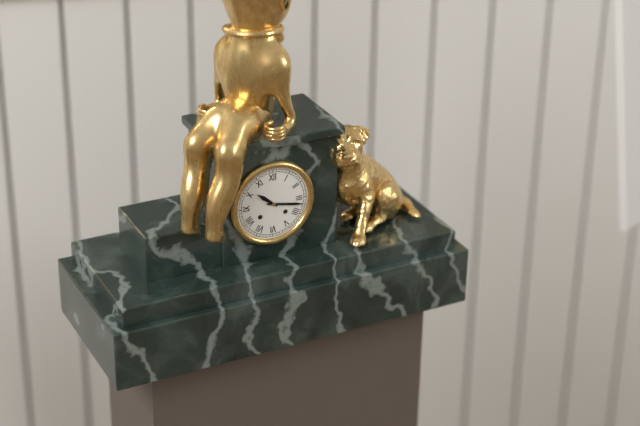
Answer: h=10 m=17
